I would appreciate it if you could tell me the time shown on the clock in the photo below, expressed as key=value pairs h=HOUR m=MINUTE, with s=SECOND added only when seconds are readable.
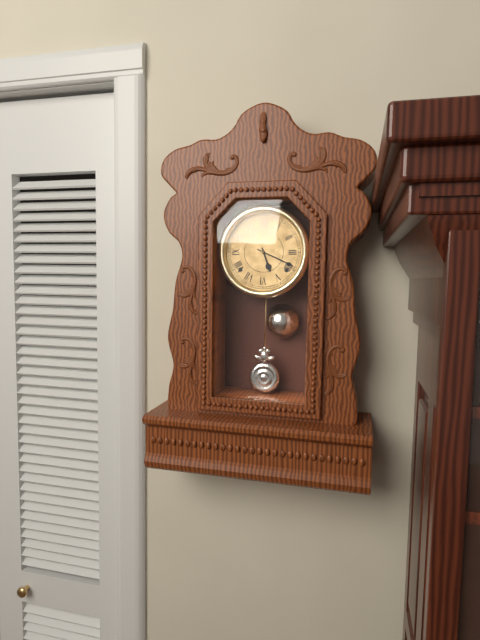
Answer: h=5 m=19
